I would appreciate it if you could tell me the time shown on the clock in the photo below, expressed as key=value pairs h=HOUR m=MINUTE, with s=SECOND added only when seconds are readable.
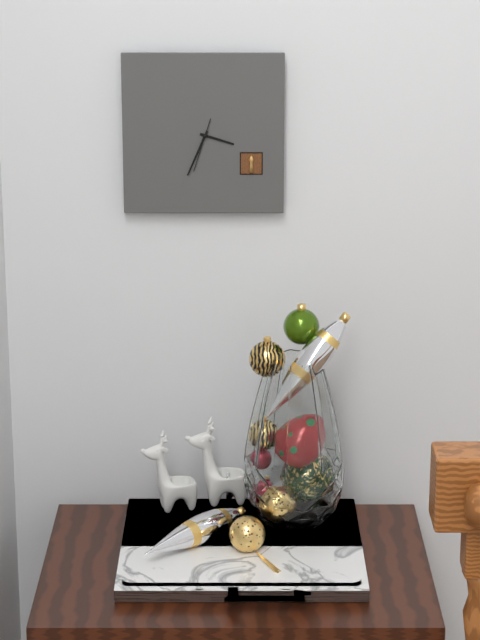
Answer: h=3 m=34
